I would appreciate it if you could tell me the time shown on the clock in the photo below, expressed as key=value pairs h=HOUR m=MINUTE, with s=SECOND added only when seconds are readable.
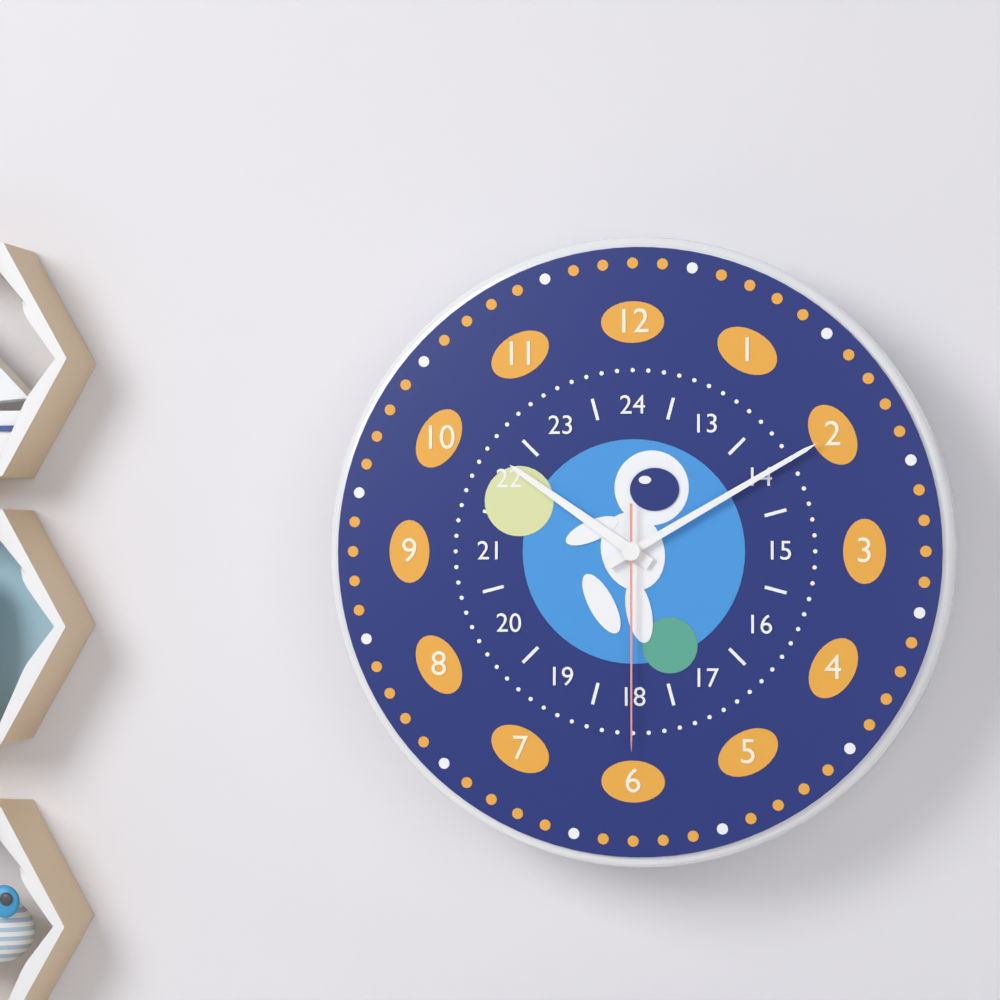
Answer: h=10 m=10 s=30
